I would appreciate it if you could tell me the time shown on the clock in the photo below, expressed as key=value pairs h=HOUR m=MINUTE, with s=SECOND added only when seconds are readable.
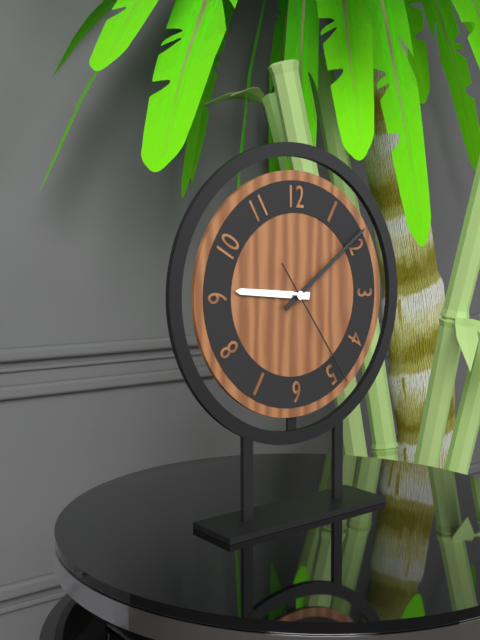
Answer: h=9 m=9 s=24
